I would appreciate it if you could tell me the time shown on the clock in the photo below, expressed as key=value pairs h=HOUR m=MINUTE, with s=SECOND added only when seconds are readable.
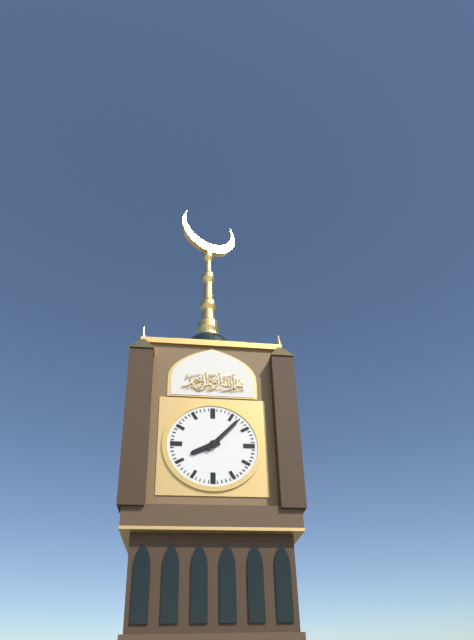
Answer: h=8 m=7
